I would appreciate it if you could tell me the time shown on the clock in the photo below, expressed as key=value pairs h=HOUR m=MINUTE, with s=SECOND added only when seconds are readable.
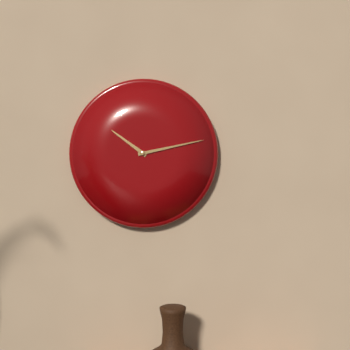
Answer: h=10 m=13
